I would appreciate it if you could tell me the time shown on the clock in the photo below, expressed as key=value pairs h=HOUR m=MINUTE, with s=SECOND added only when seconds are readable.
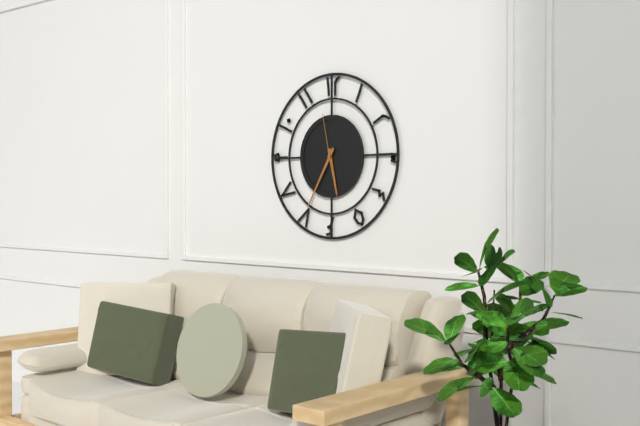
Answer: h=5 m=35 s=58
